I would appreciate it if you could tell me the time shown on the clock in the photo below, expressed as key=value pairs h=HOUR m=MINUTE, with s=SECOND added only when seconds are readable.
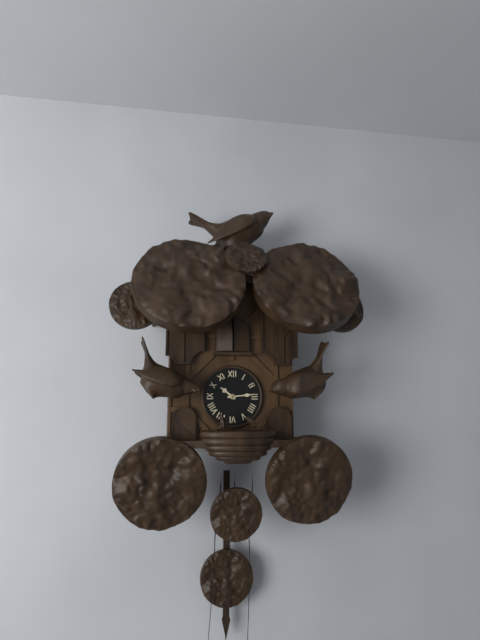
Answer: h=10 m=14
